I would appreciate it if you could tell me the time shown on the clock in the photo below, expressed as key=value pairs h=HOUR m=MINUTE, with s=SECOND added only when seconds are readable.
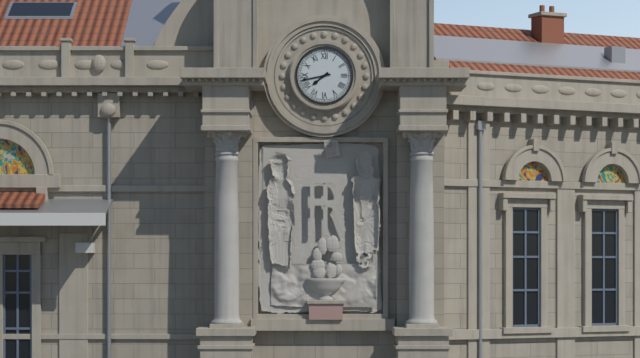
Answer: h=7 m=43
